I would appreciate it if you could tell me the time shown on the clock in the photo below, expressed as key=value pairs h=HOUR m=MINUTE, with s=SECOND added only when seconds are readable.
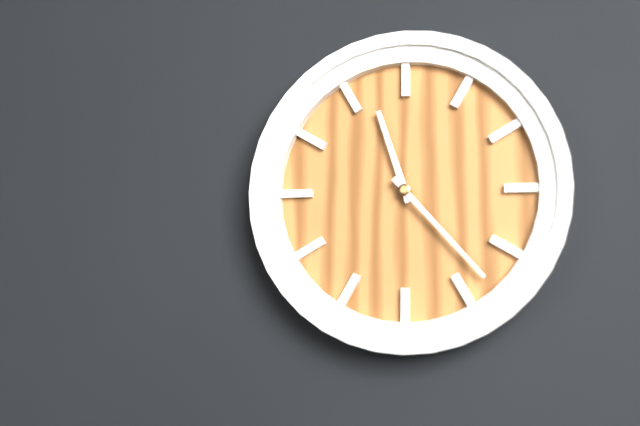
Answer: h=11 m=23
